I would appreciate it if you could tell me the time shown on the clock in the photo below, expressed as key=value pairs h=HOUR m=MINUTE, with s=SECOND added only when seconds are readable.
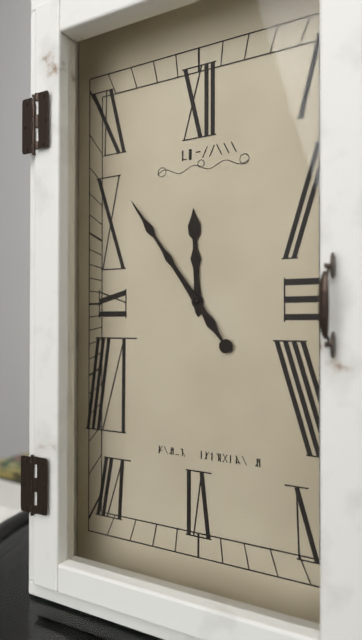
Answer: h=11 m=54
